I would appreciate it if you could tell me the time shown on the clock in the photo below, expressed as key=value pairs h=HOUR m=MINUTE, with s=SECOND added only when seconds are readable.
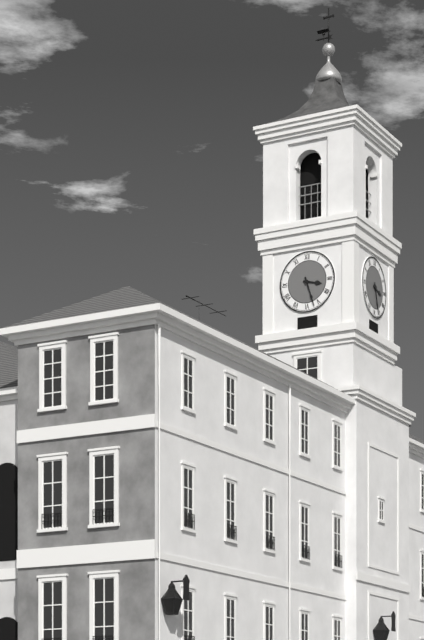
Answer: h=3 m=27
